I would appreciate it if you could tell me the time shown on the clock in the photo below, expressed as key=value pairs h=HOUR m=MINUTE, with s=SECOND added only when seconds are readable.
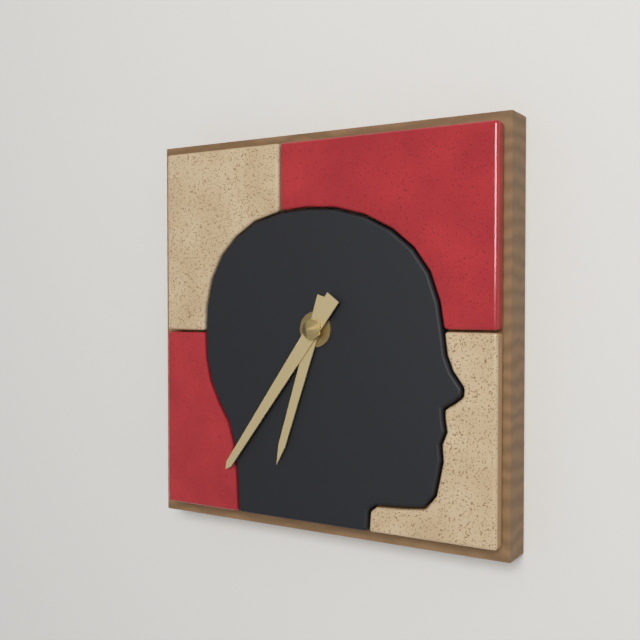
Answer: h=6 m=36
